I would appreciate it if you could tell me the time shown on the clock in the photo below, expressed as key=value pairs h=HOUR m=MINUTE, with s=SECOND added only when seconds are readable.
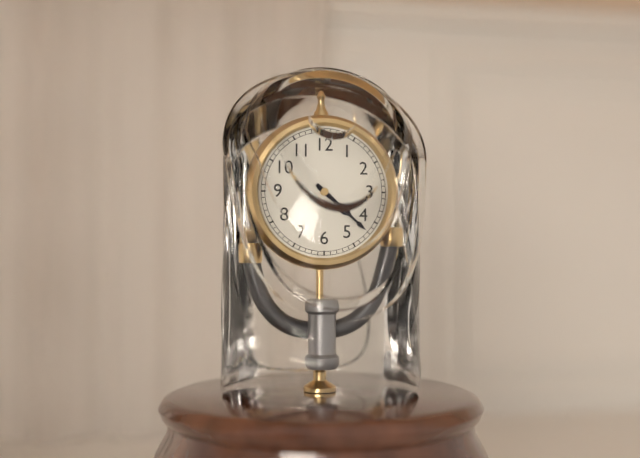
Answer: h=4 m=22
